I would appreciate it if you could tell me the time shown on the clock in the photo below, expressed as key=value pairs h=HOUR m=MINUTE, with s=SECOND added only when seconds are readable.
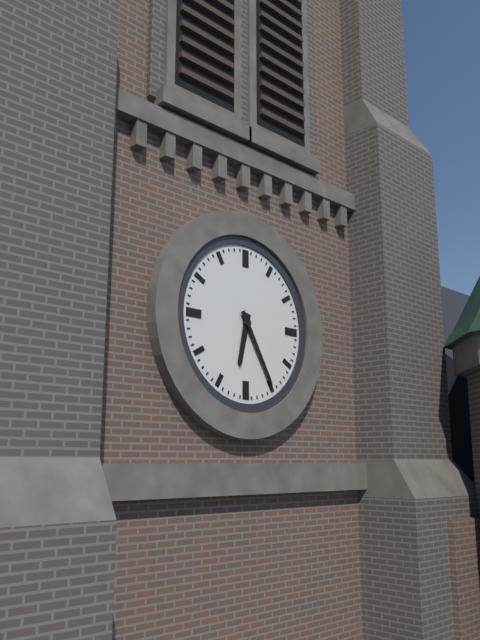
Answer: h=6 m=25
